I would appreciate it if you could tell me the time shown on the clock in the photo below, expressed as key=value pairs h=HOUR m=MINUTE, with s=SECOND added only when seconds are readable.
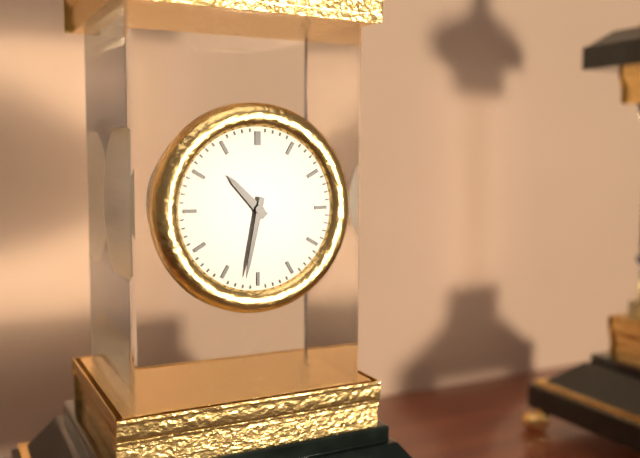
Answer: h=10 m=32
